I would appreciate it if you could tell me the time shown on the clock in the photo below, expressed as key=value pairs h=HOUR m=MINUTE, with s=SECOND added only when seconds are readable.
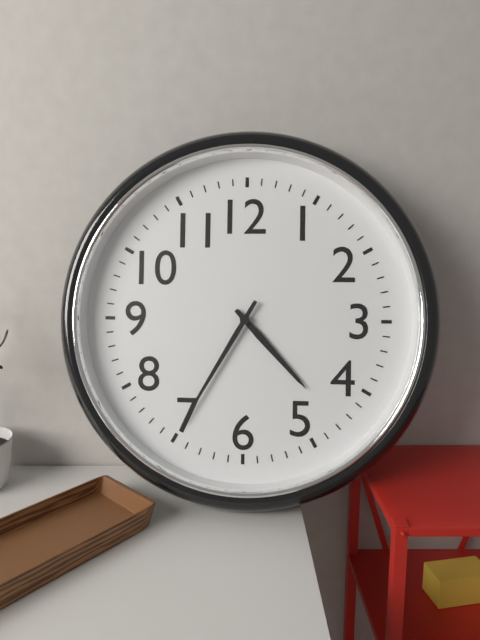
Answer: h=4 m=35
